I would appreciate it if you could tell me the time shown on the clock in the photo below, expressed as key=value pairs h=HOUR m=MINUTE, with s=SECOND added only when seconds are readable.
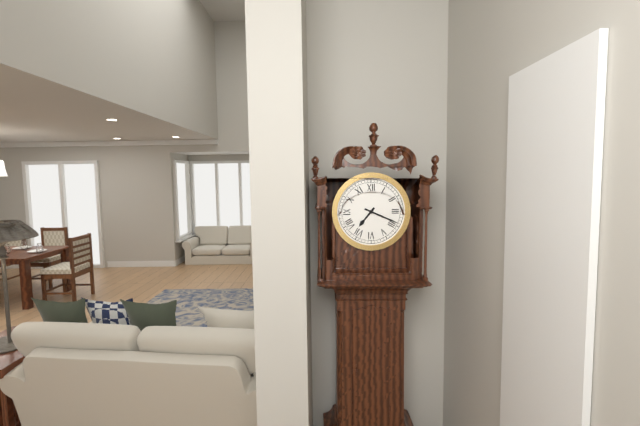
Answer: h=7 m=19
